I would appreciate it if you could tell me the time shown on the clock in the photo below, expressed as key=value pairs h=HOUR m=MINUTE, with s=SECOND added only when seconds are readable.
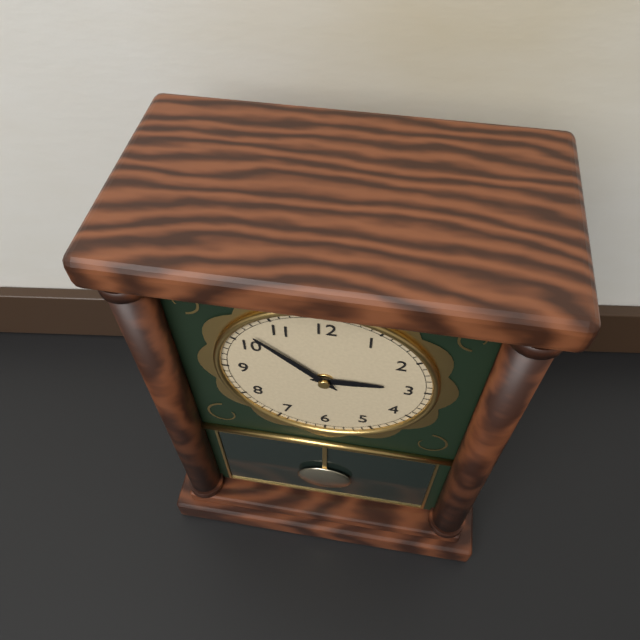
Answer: h=2 m=52
